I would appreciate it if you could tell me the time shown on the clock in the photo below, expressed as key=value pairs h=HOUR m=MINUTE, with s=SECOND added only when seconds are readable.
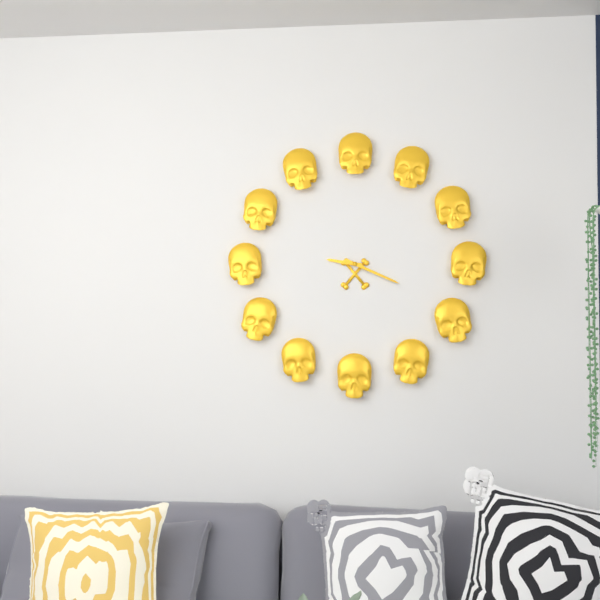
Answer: h=9 m=19
